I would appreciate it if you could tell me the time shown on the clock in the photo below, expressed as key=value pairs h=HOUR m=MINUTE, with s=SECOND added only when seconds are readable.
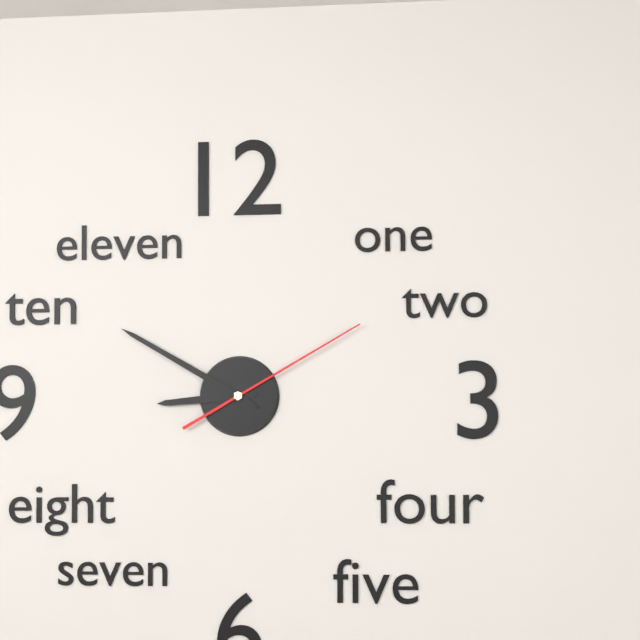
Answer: h=8 m=50 s=10
